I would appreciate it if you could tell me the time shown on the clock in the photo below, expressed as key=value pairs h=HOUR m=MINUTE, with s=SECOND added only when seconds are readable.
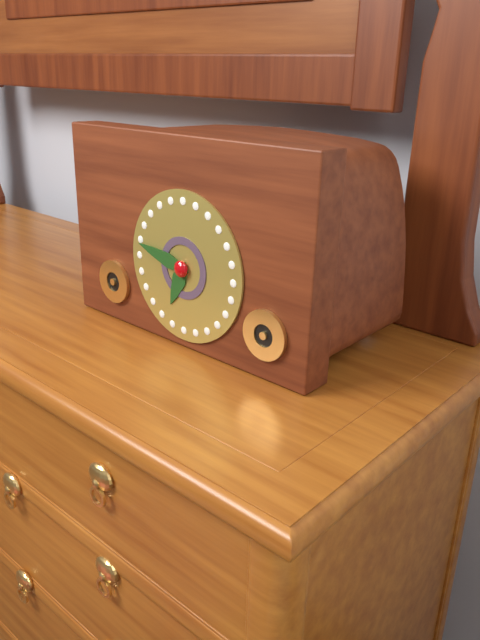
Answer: h=6 m=47
